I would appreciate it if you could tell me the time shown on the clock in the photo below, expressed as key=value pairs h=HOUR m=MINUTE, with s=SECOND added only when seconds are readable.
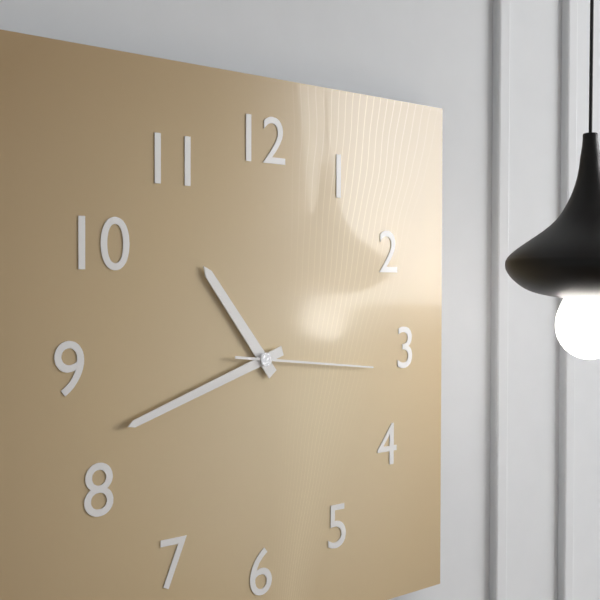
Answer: h=10 m=42 s=16
